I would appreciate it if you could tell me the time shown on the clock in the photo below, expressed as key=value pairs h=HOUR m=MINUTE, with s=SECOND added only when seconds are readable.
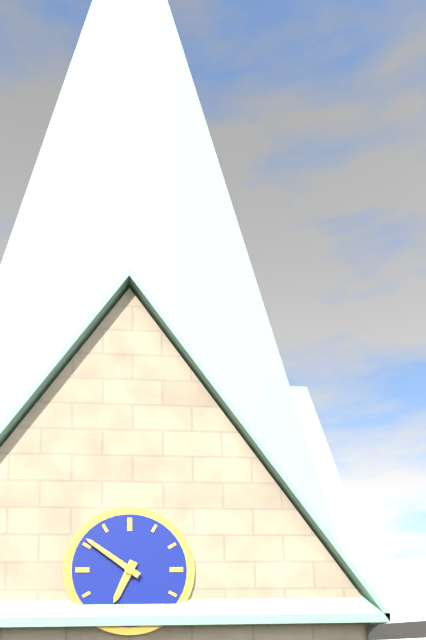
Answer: h=6 m=51
